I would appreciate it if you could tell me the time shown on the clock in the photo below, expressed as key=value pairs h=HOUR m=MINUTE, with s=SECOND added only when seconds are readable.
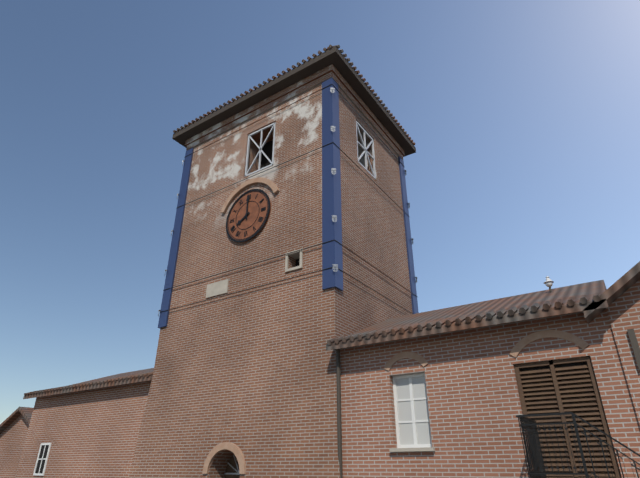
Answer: h=8 m=0
